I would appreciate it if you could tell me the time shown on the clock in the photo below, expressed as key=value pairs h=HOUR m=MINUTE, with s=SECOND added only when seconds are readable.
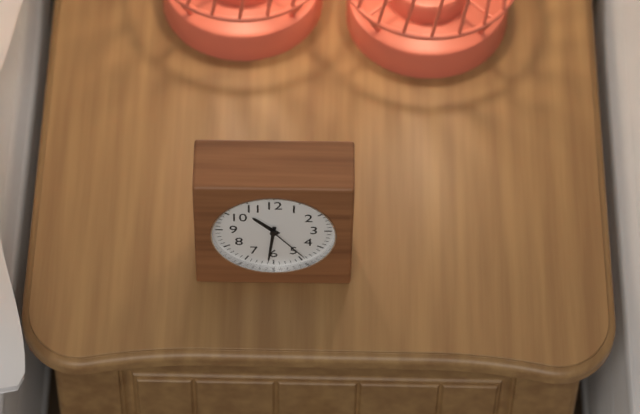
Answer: h=10 m=31 s=24
